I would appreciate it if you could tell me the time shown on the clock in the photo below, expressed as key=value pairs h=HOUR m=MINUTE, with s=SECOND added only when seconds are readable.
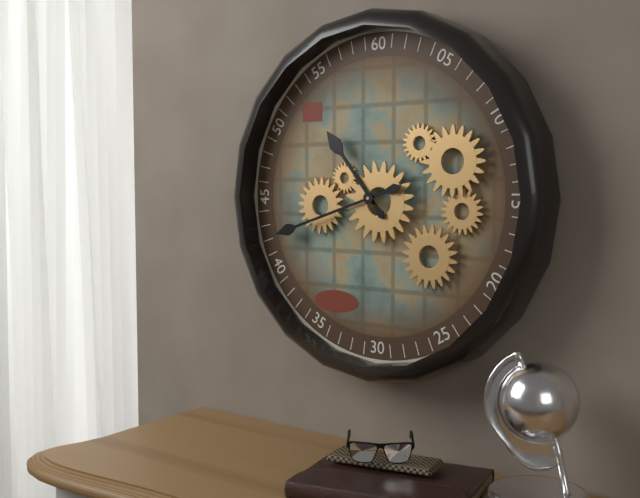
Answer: h=10 m=42
